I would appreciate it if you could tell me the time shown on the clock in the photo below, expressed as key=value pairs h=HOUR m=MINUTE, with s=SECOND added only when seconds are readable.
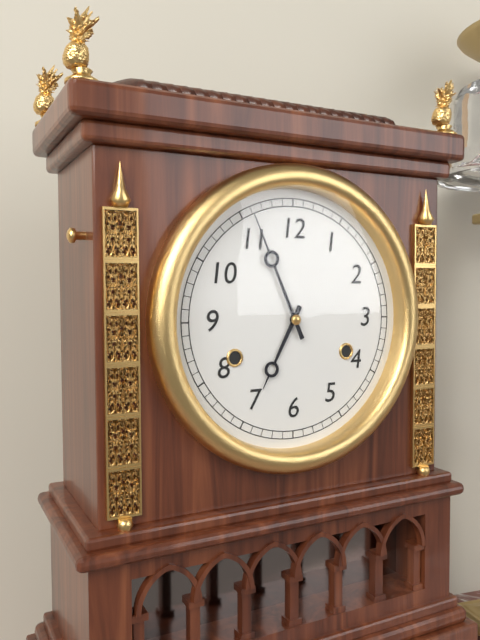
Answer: h=6 m=56
